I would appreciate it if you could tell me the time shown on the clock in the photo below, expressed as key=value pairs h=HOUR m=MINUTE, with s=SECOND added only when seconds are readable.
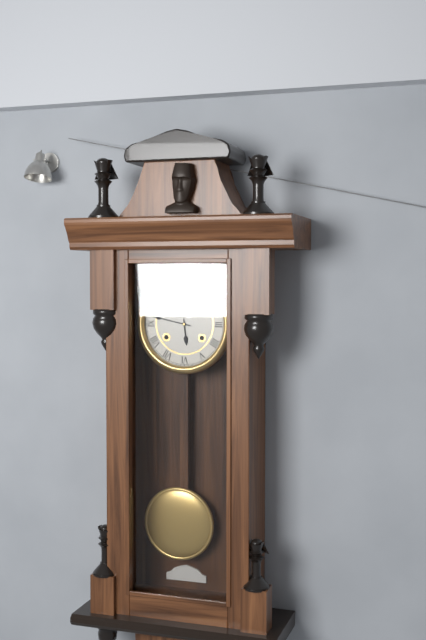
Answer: h=5 m=47
